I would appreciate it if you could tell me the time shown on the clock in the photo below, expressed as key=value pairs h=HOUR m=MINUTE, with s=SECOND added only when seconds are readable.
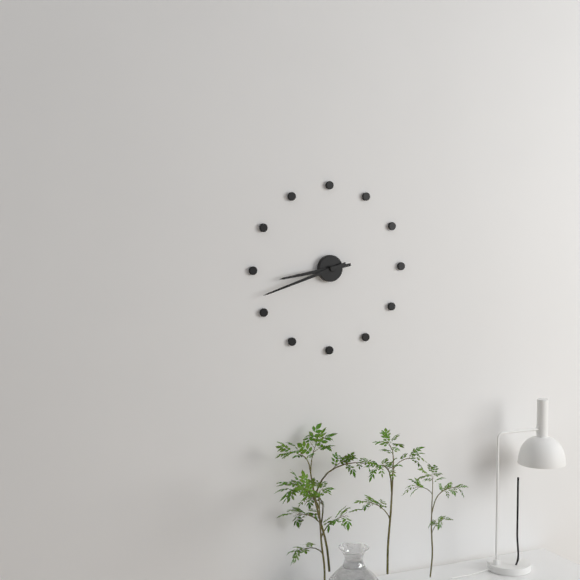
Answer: h=8 m=42
